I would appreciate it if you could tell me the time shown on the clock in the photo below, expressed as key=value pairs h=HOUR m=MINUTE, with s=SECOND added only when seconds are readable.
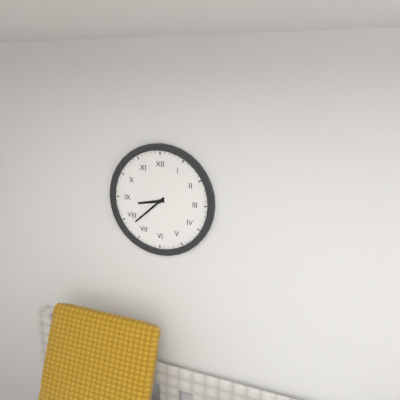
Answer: h=8 m=38
